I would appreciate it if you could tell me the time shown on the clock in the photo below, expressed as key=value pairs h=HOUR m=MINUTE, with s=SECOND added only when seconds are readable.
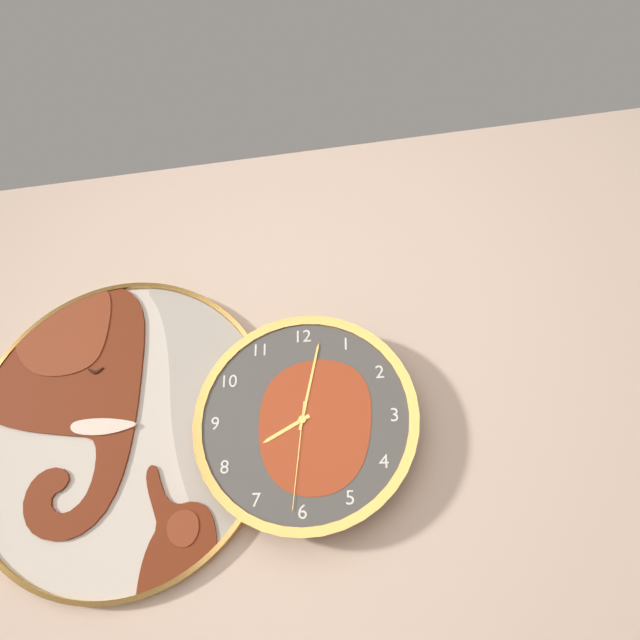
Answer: h=8 m=2 s=31
